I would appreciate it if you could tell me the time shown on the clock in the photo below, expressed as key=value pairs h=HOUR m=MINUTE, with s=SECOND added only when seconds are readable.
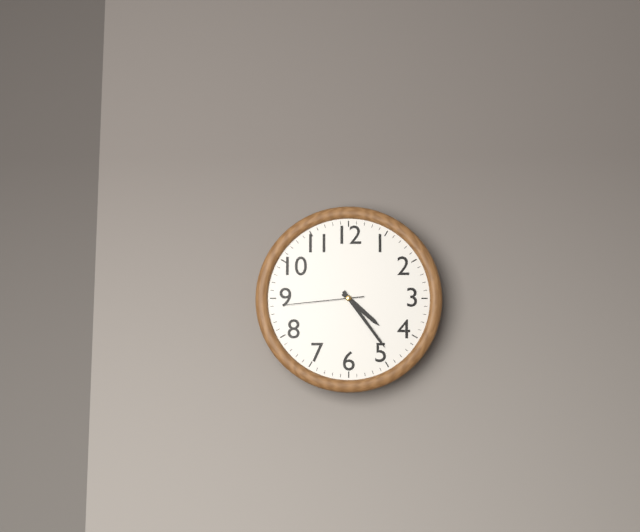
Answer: h=4 m=24 s=44
